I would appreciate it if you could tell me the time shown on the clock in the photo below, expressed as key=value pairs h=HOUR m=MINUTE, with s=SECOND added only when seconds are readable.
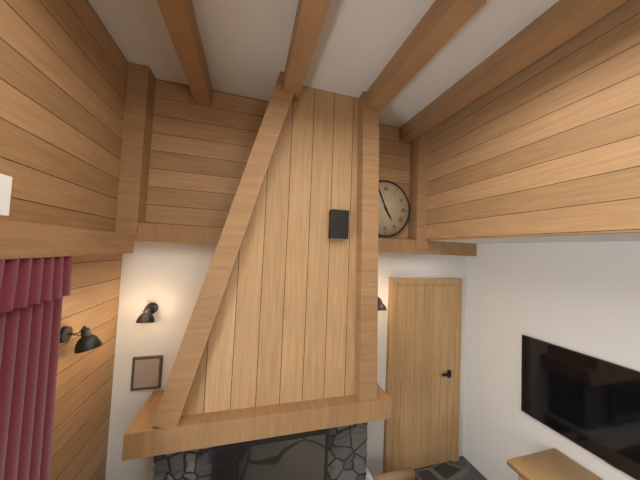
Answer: h=4 m=56
